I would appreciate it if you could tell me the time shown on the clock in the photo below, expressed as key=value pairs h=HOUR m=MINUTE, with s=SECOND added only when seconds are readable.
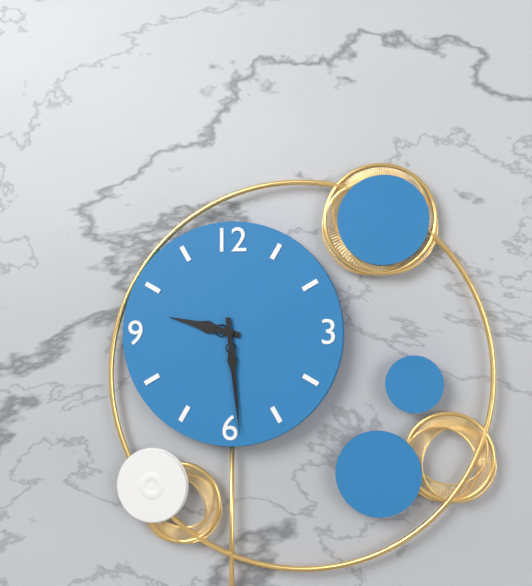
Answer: h=9 m=29
